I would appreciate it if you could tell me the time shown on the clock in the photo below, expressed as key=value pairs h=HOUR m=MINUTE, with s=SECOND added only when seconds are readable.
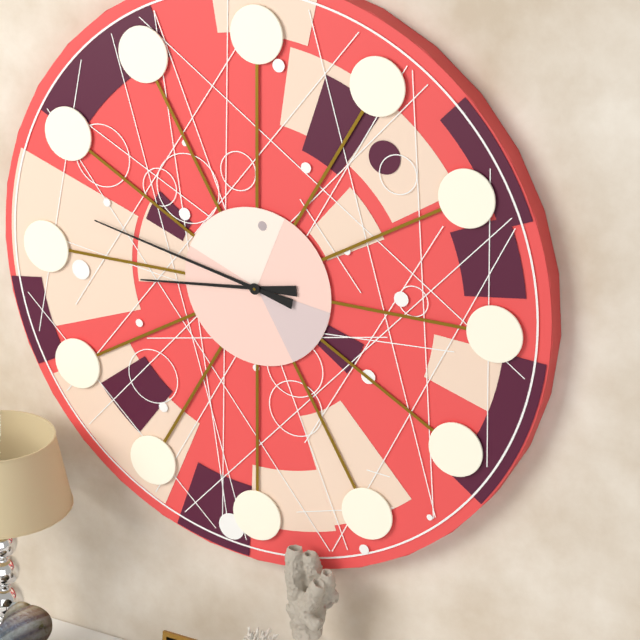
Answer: h=8 m=47
